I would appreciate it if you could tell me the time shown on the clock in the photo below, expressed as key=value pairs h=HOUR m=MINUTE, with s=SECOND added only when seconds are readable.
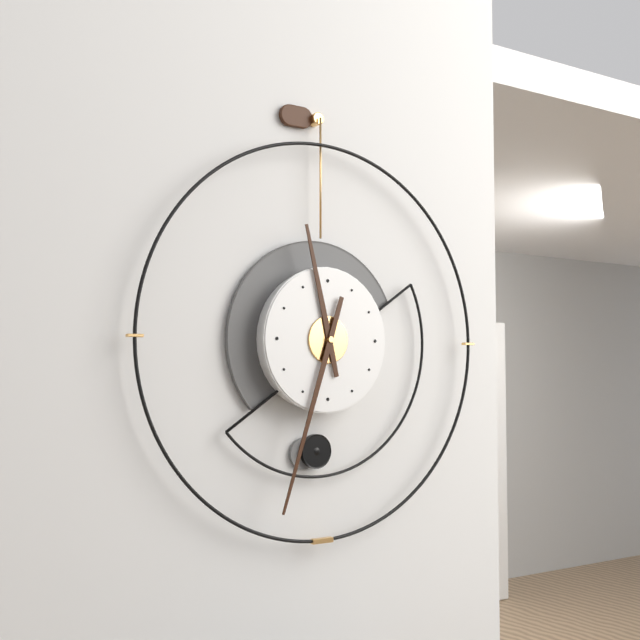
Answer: h=11 m=33
